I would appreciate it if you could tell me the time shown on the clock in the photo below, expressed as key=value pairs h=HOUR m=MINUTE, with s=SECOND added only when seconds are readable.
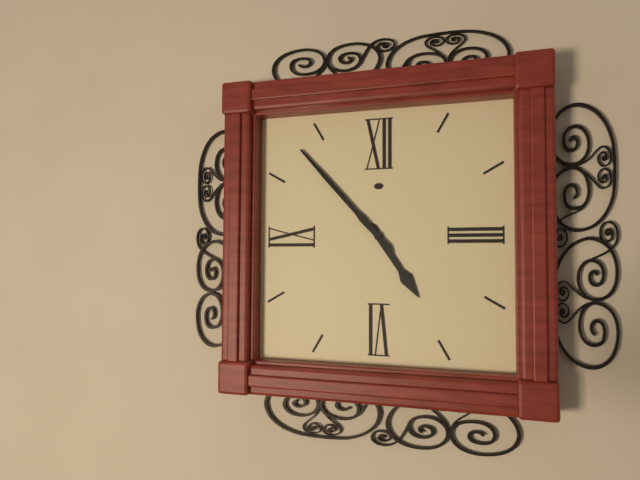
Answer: h=4 m=53
